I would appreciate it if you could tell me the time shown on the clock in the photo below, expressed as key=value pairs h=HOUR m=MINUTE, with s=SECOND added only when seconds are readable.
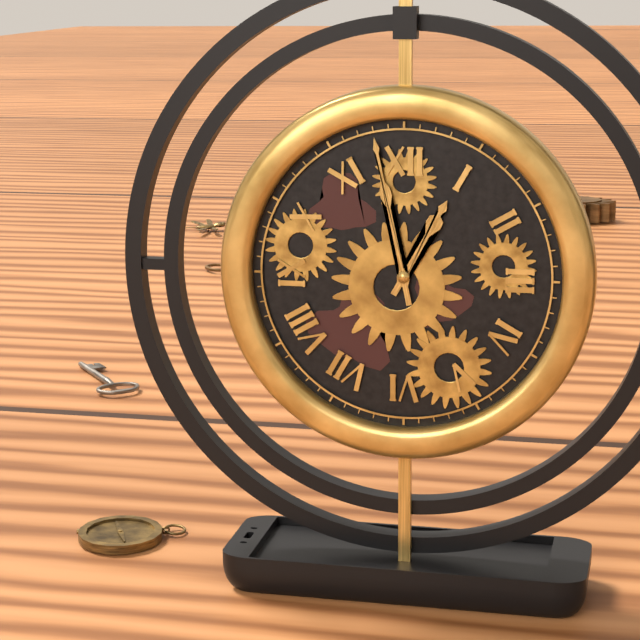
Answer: h=12 m=58
